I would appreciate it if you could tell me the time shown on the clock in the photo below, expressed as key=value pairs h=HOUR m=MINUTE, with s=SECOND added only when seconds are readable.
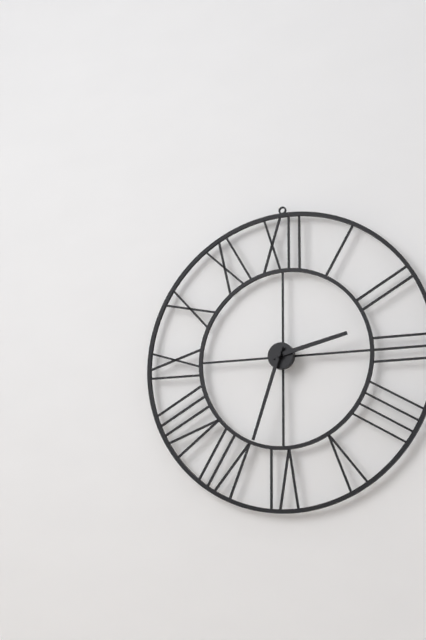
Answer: h=2 m=33
